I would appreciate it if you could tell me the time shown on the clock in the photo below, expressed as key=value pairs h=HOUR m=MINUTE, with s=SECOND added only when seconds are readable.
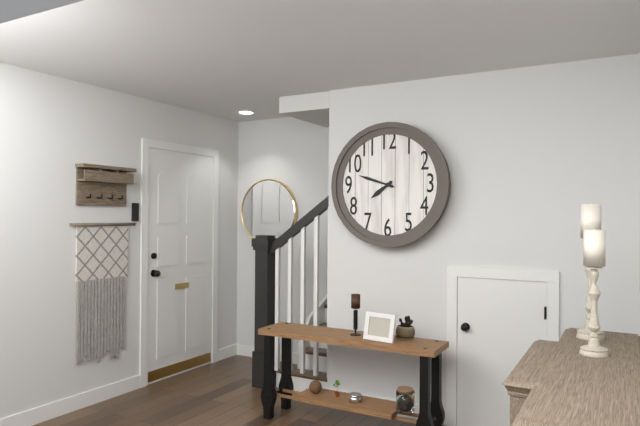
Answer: h=7 m=48
